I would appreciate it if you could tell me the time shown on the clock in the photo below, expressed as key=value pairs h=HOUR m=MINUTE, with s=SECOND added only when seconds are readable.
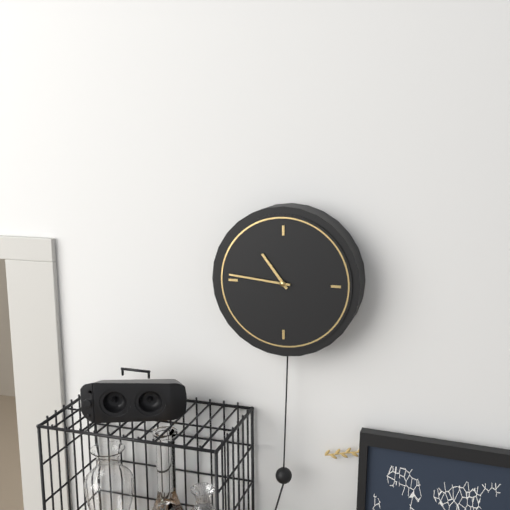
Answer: h=10 m=46
